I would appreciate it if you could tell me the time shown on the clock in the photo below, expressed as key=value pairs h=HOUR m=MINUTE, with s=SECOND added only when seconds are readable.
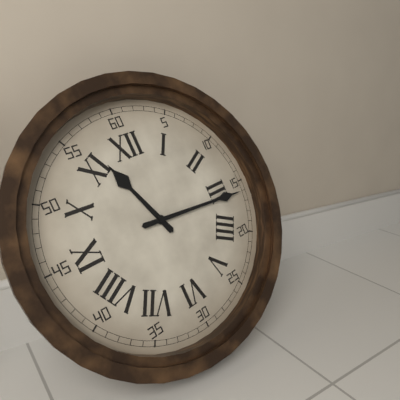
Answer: h=11 m=16
